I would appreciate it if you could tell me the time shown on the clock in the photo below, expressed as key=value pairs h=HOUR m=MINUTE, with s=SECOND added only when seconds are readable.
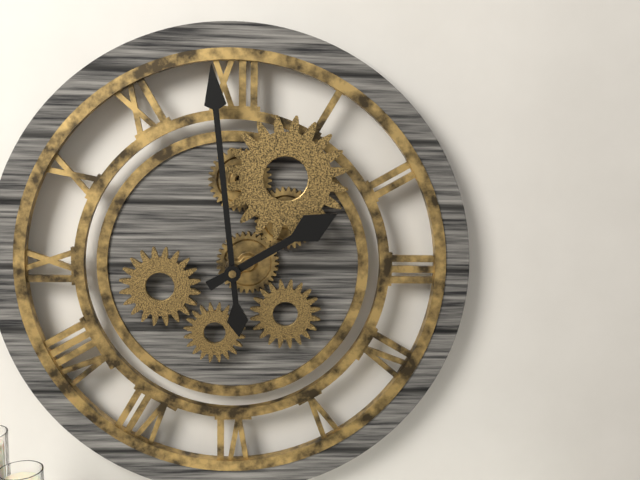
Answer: h=1 m=59
